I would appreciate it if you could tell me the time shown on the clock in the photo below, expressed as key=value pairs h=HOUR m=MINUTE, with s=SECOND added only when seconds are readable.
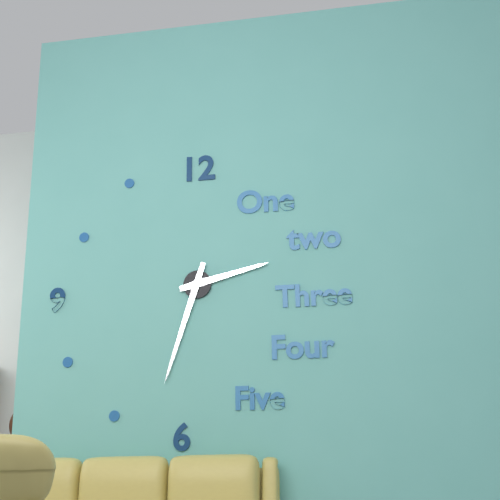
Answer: h=2 m=33
